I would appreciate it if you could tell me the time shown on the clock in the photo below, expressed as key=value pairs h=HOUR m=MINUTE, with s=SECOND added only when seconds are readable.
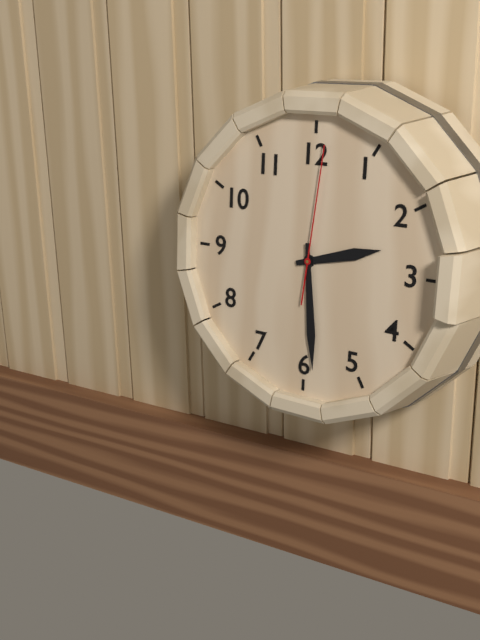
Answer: h=2 m=29 s=1
